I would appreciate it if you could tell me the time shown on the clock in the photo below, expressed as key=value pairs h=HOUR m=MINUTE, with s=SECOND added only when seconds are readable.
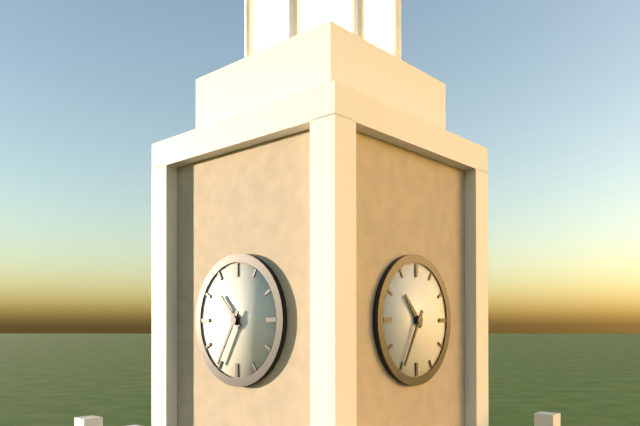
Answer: h=10 m=35
